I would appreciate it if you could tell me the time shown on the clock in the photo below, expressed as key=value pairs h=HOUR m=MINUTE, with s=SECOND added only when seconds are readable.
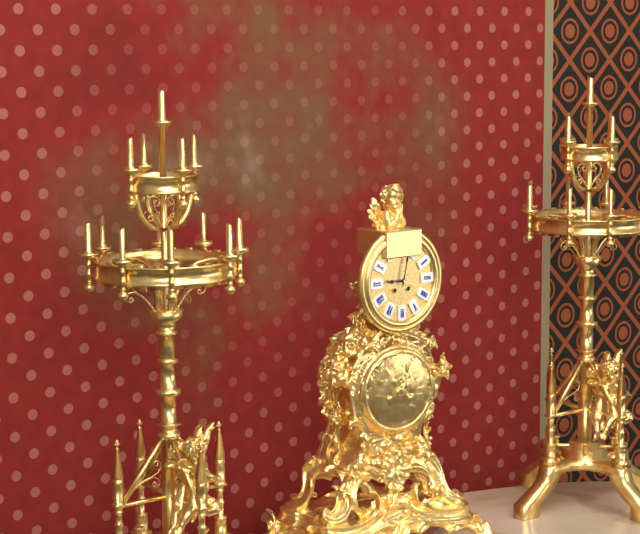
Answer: h=9 m=2
